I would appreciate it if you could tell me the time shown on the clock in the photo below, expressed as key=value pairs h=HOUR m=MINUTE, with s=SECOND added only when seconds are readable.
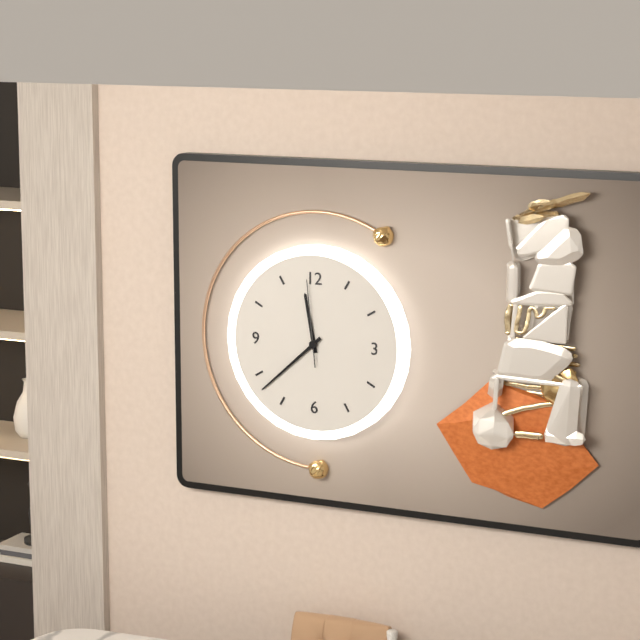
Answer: h=11 m=38 s=59
